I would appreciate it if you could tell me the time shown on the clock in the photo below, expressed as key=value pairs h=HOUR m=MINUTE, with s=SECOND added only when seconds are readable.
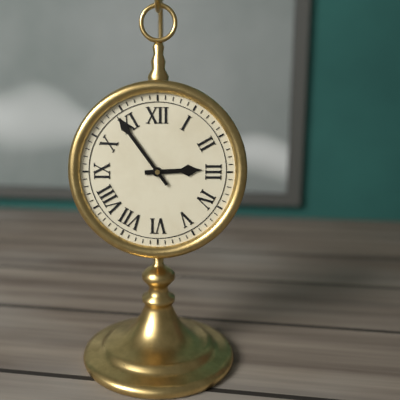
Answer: h=2 m=54
